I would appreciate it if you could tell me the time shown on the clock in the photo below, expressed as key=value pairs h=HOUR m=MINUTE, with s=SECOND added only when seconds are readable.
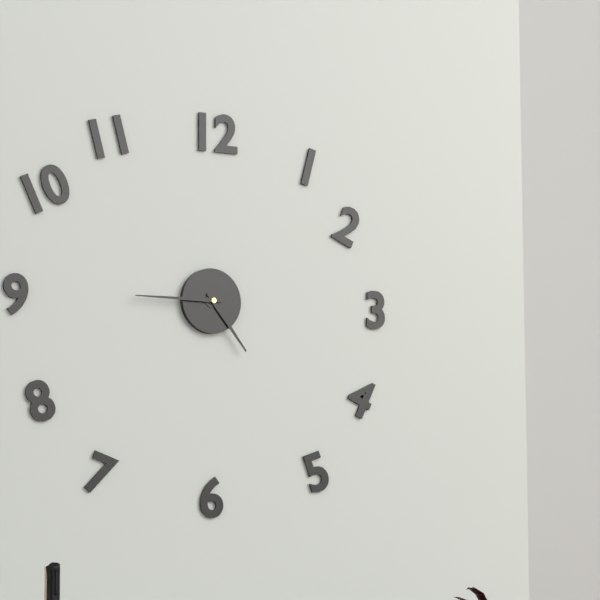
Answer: h=4 m=45
